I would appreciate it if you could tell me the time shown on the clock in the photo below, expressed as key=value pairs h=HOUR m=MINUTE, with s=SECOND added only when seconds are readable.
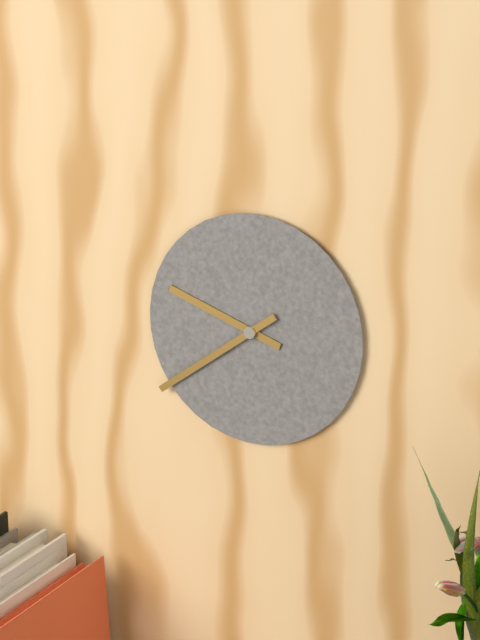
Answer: h=9 m=39
